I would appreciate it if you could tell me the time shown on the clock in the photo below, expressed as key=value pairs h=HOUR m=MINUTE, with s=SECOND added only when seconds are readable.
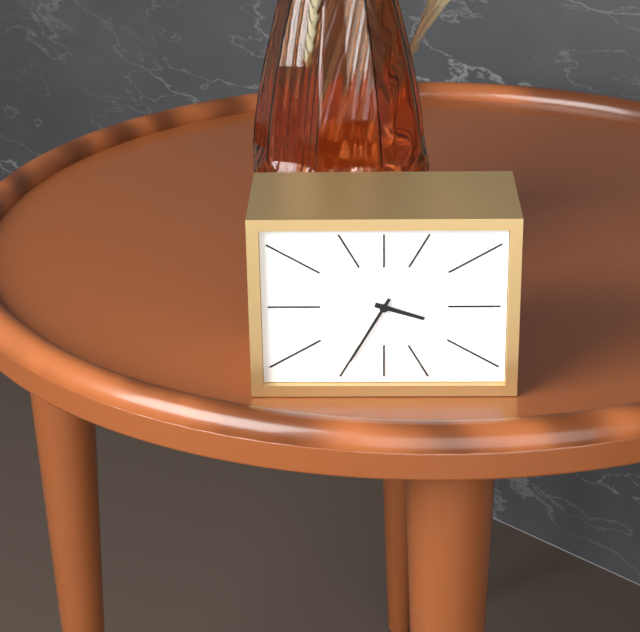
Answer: h=3 m=35
